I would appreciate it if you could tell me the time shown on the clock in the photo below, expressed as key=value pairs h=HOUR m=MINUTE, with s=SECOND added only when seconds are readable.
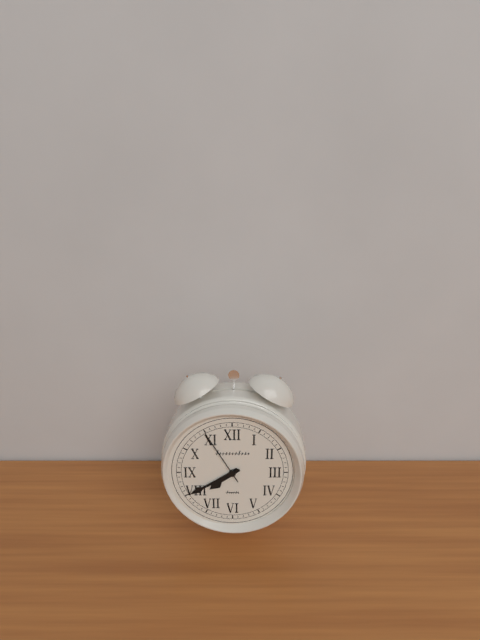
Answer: h=7 m=40 s=55
